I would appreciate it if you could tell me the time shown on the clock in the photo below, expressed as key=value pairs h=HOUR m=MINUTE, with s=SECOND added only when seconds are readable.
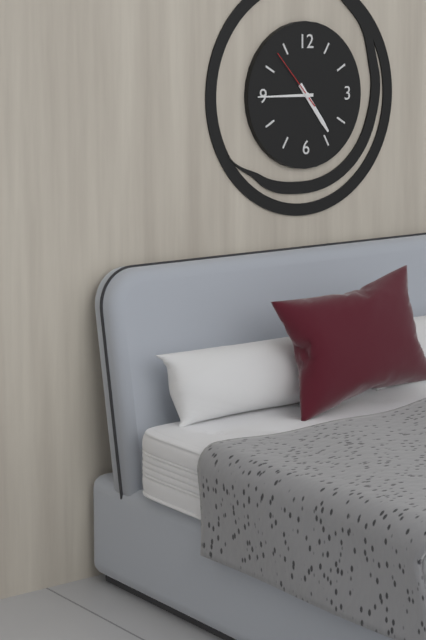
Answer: h=4 m=45 s=53
